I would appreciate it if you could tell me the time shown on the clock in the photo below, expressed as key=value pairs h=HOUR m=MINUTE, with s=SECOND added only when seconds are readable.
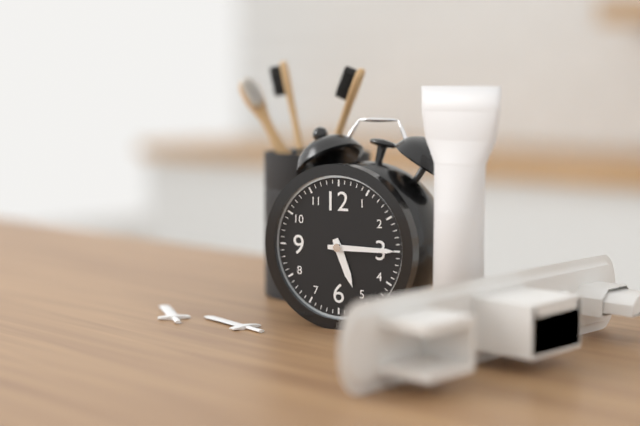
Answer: h=5 m=15
